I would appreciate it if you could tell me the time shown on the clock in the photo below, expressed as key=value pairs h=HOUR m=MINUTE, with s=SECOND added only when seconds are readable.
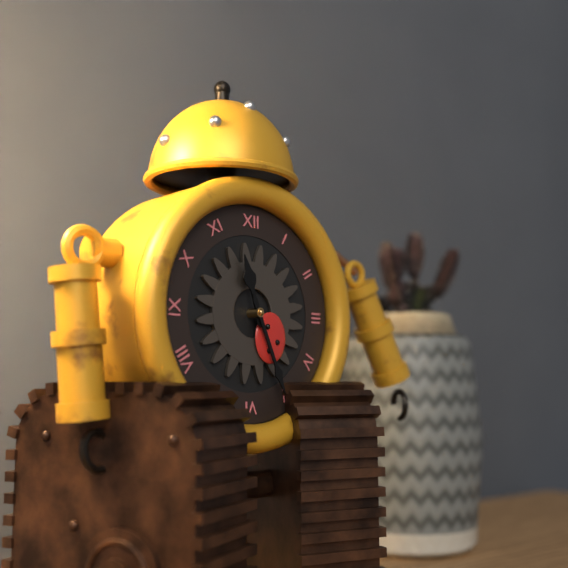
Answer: h=11 m=26
